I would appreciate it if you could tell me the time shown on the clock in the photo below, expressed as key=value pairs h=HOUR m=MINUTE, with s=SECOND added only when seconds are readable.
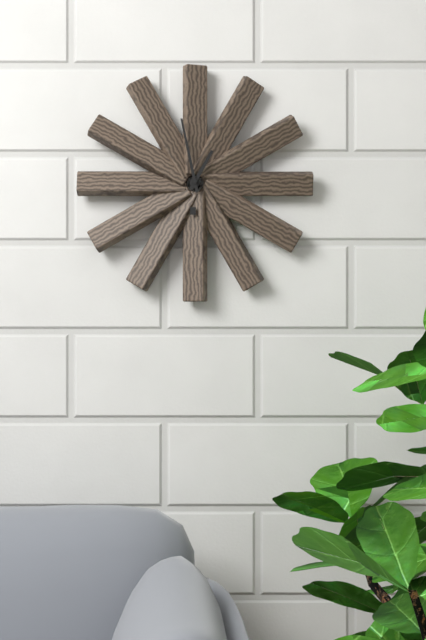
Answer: h=12 m=58
